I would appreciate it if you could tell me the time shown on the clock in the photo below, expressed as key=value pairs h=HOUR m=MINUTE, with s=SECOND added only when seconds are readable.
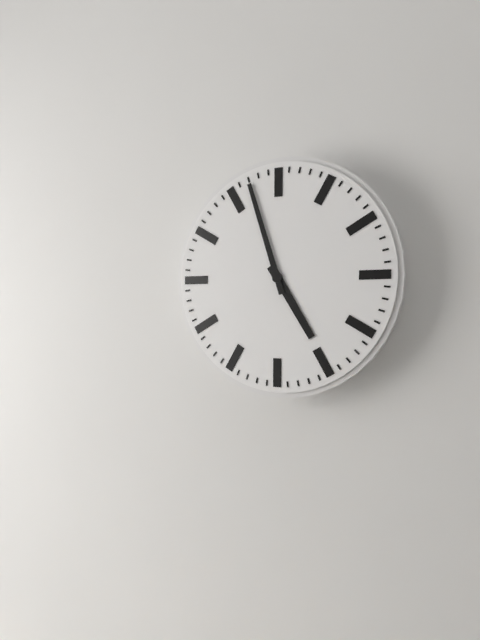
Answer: h=4 m=57
